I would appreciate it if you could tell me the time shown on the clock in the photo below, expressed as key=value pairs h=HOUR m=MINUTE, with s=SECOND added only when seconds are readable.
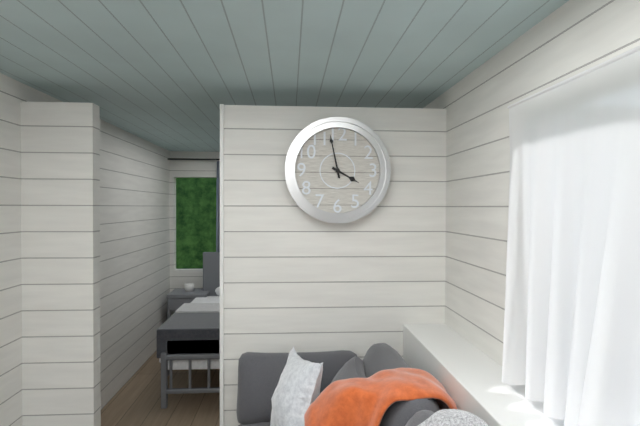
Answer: h=3 m=58
